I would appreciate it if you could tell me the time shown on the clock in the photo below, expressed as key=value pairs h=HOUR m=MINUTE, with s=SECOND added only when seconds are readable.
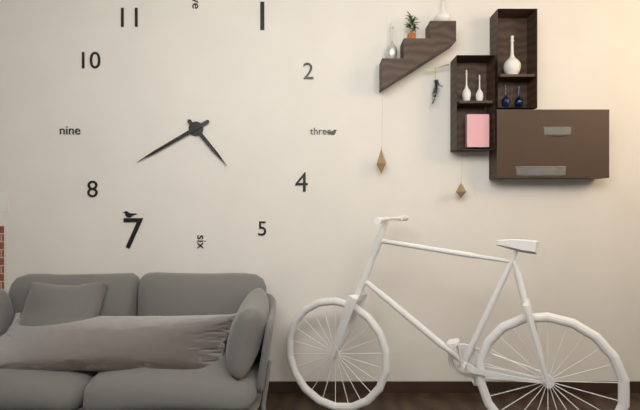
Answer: h=4 m=40
